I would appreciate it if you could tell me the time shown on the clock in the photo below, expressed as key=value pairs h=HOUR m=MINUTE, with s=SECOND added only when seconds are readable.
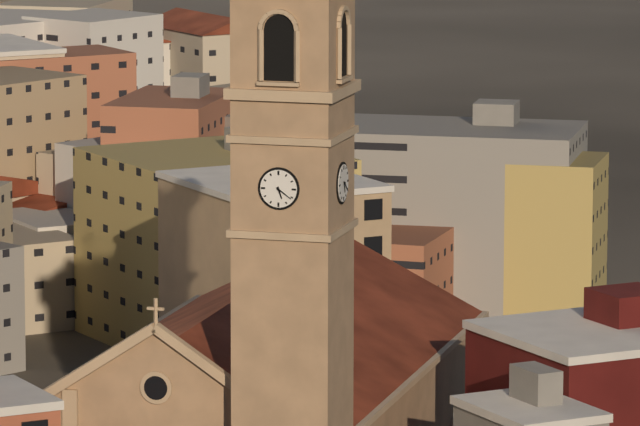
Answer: h=5 m=21
